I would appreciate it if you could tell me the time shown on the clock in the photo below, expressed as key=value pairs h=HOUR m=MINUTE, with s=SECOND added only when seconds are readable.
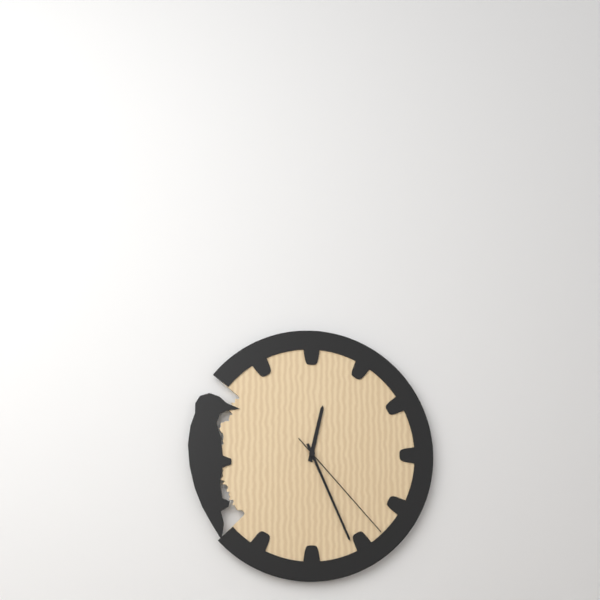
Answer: h=12 m=26 s=23
